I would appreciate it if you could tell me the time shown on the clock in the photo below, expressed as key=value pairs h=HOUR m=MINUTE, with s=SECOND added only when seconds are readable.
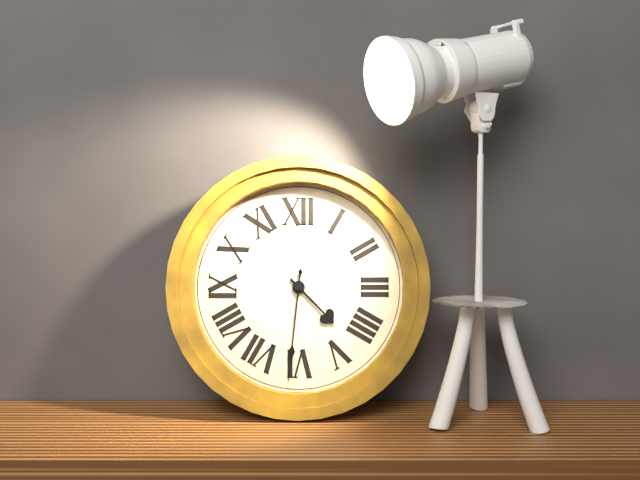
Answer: h=4 m=31
